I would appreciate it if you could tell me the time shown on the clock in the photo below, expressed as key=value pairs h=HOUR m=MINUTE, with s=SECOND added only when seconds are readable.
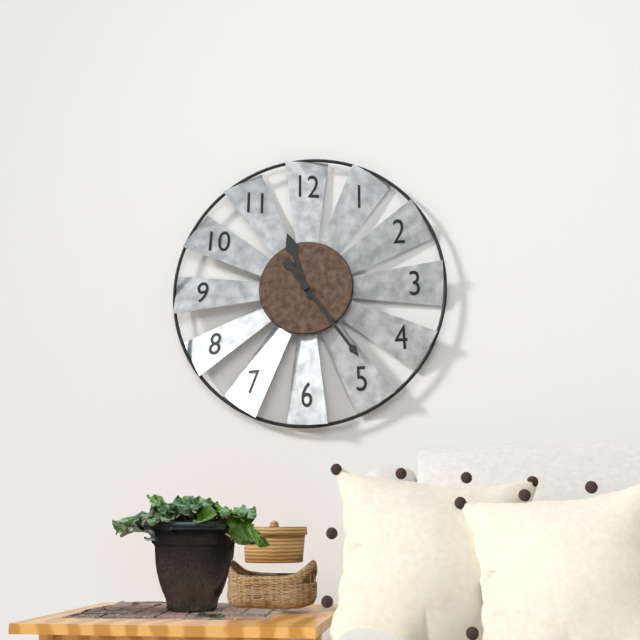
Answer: h=11 m=24
